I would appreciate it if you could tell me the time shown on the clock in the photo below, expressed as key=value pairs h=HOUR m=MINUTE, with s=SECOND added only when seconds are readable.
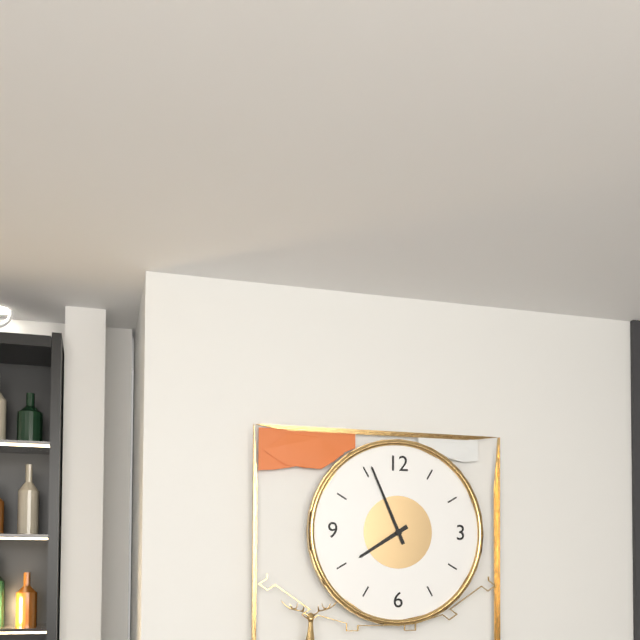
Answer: h=7 m=56
